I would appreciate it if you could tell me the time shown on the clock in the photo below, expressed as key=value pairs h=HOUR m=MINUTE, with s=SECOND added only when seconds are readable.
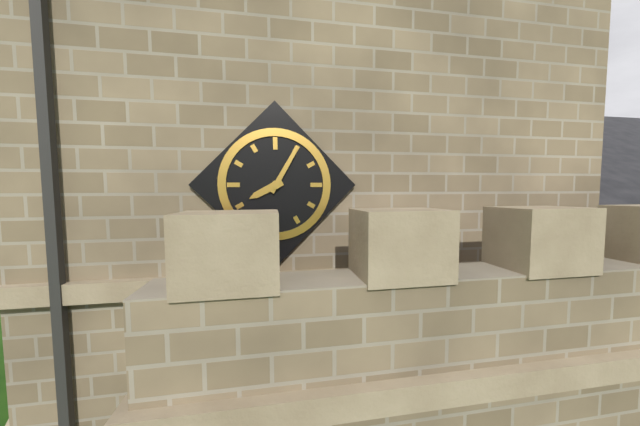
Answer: h=8 m=5
